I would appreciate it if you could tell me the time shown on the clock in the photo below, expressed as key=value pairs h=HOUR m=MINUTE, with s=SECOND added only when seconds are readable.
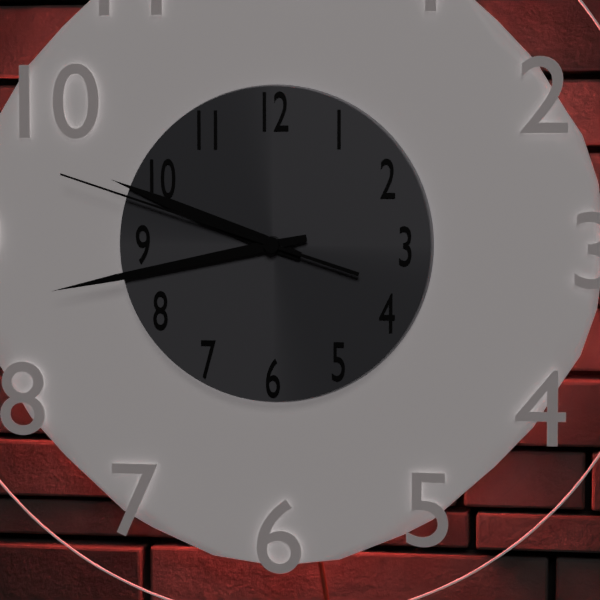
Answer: h=9 m=43 s=48
